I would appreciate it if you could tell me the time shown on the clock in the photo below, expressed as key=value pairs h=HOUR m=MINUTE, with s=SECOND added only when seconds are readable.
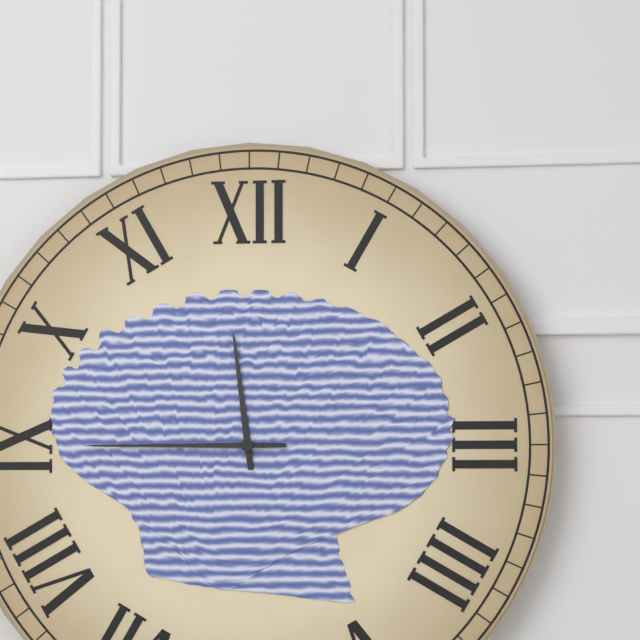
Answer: h=11 m=45
